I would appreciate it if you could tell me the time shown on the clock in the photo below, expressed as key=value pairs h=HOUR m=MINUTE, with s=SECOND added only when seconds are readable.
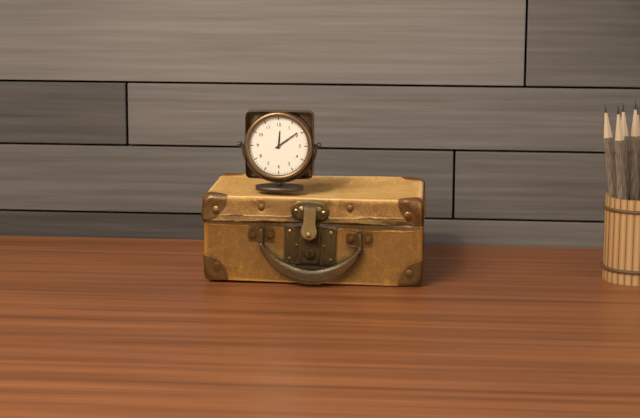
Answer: h=12 m=9
